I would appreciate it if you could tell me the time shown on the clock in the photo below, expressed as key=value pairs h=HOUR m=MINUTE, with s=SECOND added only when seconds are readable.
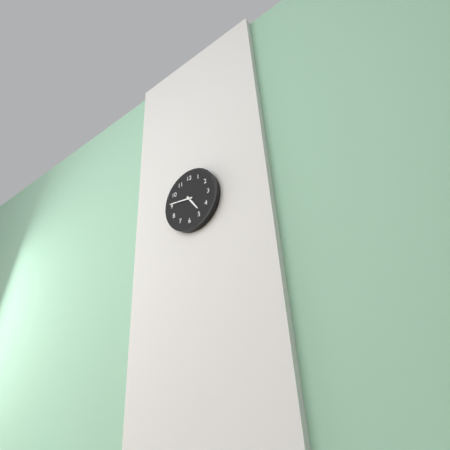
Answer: h=4 m=46
